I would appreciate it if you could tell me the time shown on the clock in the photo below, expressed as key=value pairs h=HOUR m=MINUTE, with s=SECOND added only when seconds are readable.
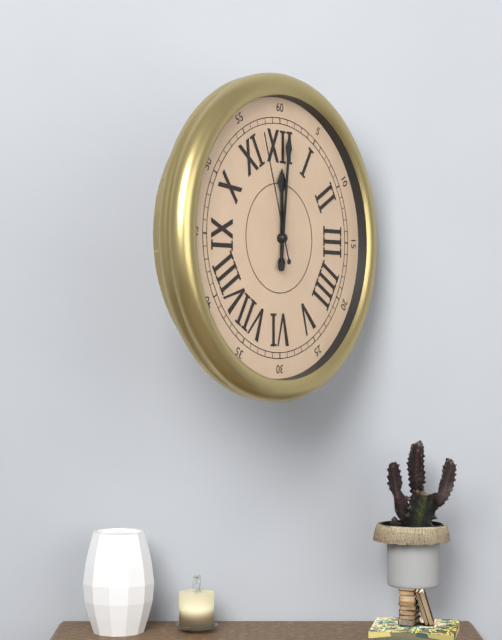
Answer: h=12 m=1 s=57
